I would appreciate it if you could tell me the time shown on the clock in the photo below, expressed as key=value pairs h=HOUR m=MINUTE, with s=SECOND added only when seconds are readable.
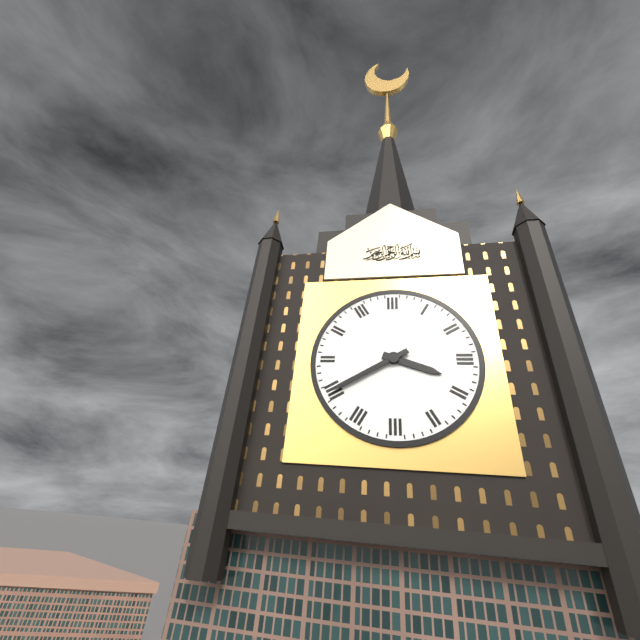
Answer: h=3 m=40
